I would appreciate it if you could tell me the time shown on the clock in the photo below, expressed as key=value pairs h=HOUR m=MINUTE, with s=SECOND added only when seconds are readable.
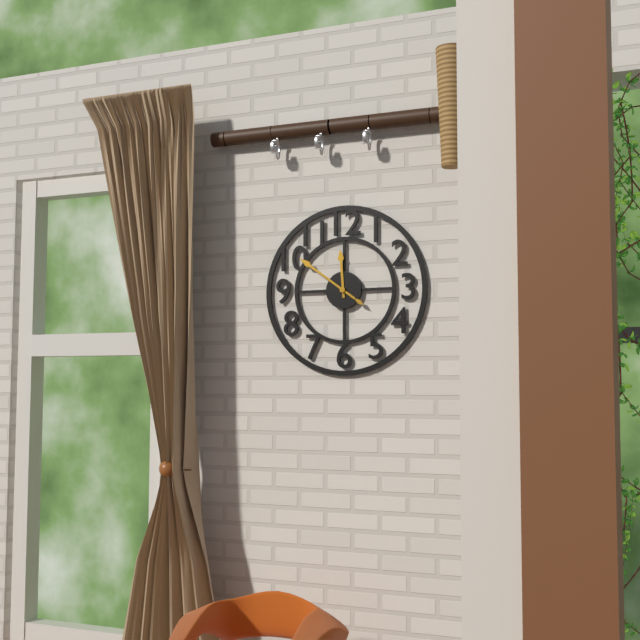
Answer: h=11 m=51
